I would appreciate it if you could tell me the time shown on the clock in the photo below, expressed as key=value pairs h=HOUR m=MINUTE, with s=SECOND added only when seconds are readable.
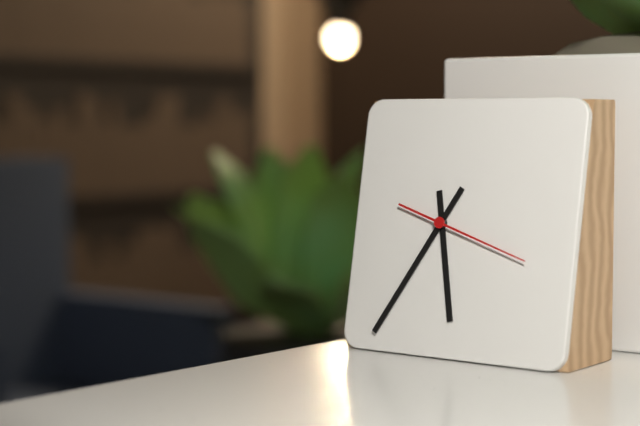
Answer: h=5 m=35 s=18
